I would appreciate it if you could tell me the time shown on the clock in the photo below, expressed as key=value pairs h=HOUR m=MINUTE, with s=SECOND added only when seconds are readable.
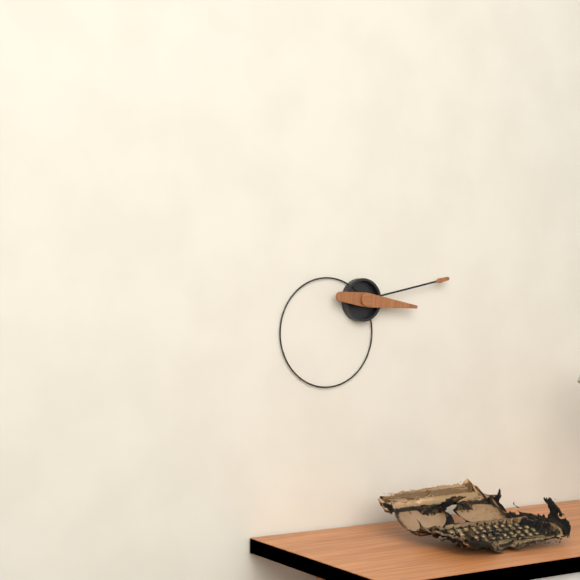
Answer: h=3 m=13
